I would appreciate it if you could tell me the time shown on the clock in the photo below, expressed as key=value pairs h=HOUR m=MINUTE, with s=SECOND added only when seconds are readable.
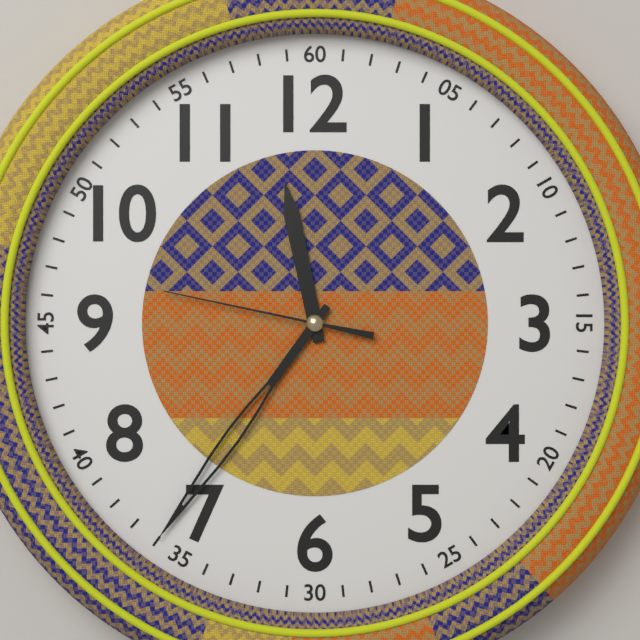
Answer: h=11 m=36 s=47
